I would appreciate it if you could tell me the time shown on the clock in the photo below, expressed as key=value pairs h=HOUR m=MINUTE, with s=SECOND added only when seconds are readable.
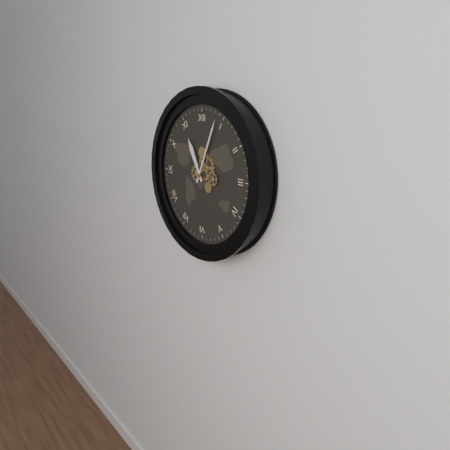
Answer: h=11 m=4
